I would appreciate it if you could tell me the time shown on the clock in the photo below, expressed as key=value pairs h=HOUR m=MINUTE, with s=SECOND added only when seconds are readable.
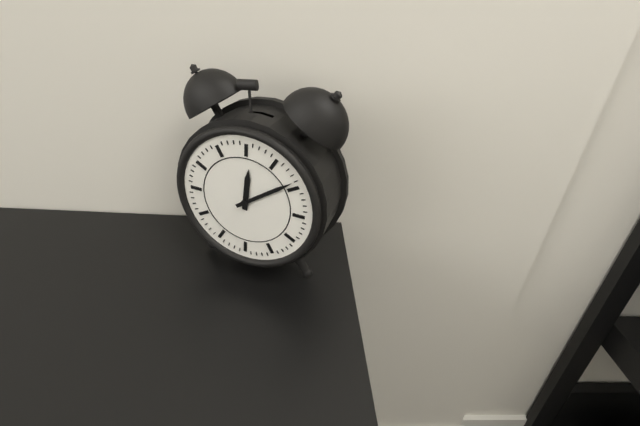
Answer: h=12 m=9
